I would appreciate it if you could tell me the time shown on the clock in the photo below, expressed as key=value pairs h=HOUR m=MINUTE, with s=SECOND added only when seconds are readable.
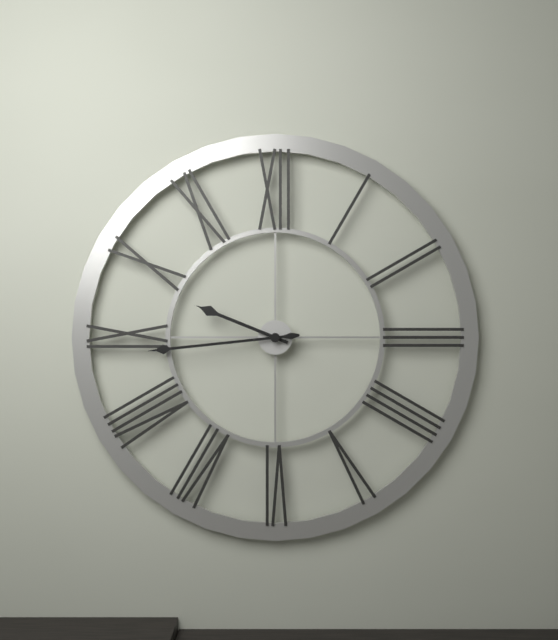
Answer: h=9 m=44
